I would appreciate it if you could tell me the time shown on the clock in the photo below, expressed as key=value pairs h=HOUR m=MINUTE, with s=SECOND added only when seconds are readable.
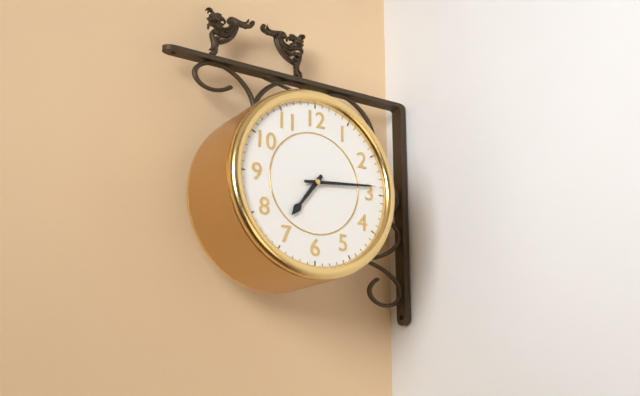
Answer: h=7 m=14
